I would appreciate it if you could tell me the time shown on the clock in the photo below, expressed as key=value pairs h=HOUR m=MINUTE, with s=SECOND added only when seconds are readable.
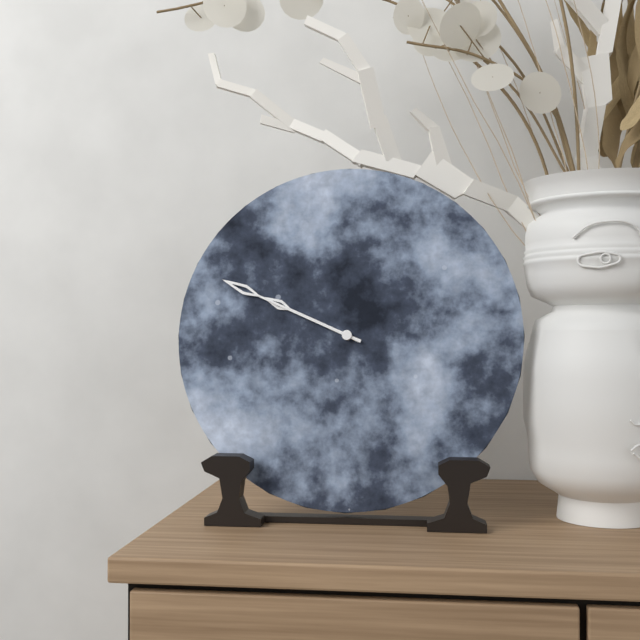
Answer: h=9 m=49
